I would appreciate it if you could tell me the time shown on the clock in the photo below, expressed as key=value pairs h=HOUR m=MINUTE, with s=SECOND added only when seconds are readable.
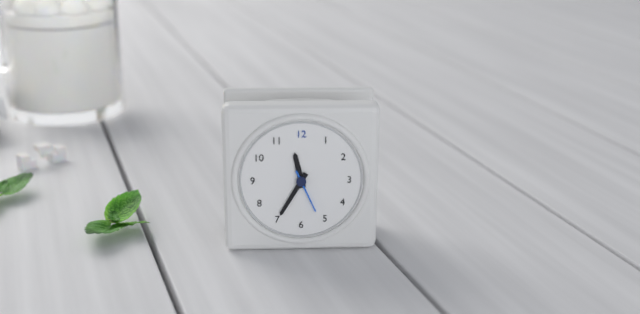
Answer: h=11 m=35 s=26
